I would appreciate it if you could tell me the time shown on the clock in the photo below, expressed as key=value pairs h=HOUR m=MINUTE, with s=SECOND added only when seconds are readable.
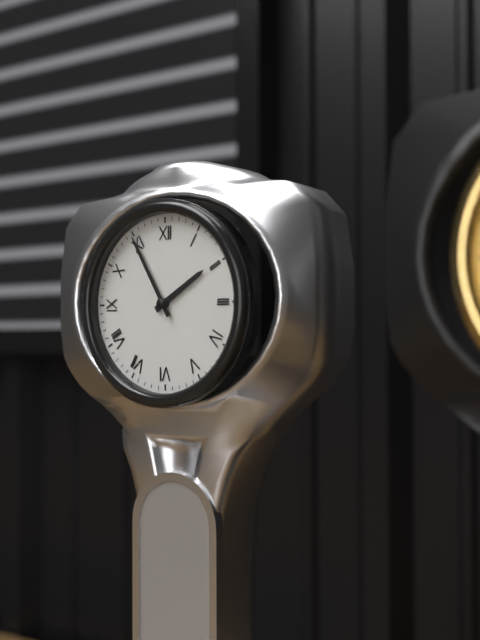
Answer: h=1 m=55
